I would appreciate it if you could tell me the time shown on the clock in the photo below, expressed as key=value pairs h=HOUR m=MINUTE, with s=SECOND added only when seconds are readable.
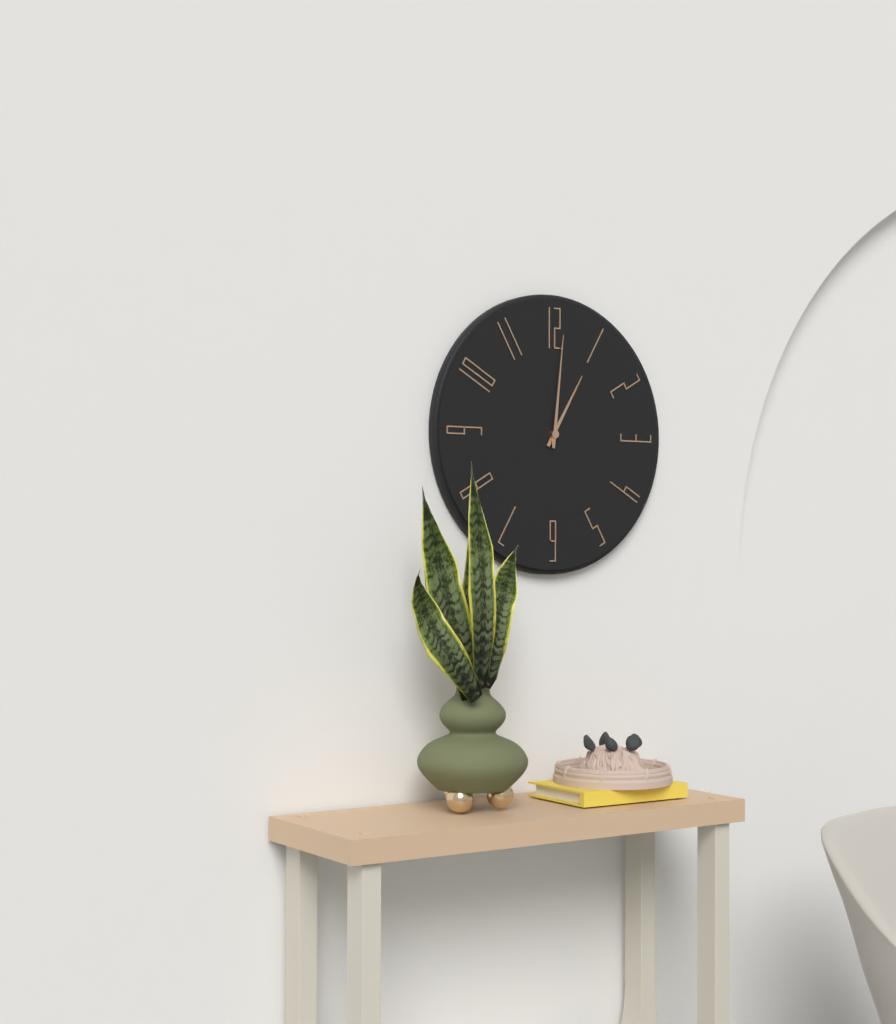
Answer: h=1 m=1
